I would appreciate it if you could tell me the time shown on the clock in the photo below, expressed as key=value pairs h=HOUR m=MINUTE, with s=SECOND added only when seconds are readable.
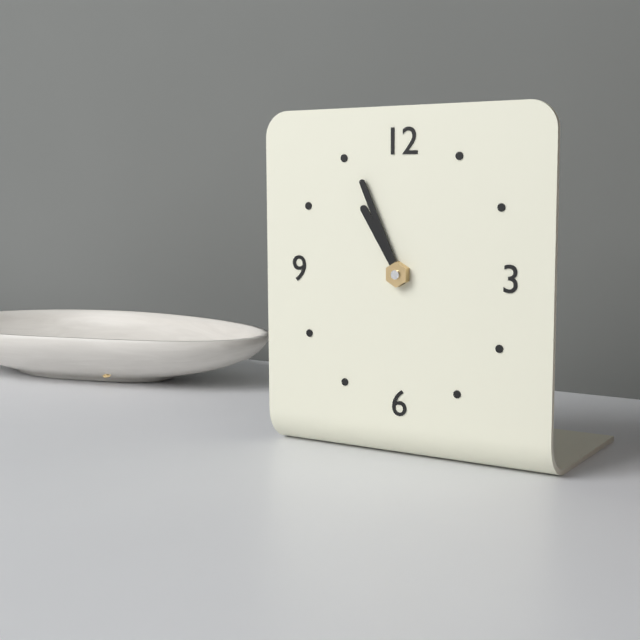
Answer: h=10 m=56
